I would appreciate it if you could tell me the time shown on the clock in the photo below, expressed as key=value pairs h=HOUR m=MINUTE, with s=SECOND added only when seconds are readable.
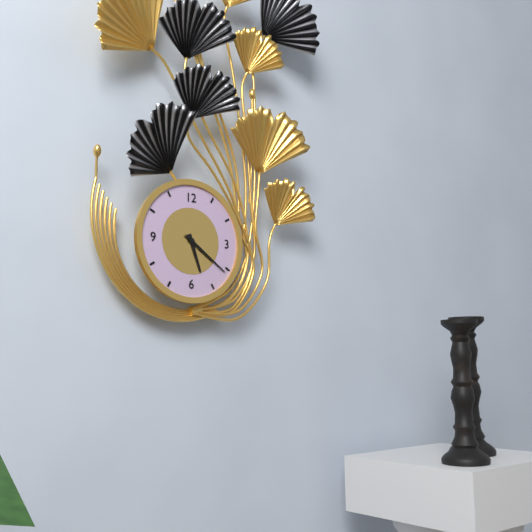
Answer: h=5 m=21
